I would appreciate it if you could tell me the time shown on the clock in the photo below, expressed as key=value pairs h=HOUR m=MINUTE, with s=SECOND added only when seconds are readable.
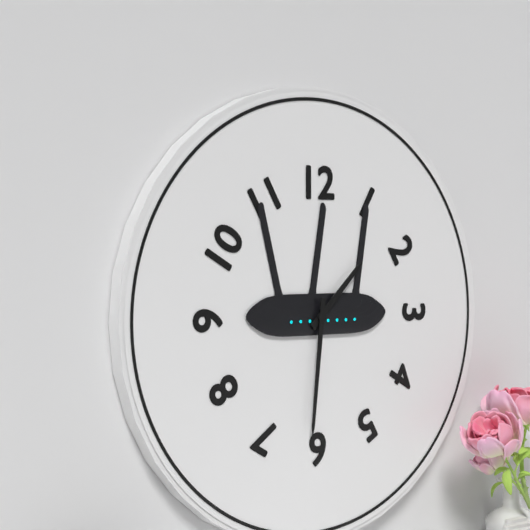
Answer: h=1 m=31
